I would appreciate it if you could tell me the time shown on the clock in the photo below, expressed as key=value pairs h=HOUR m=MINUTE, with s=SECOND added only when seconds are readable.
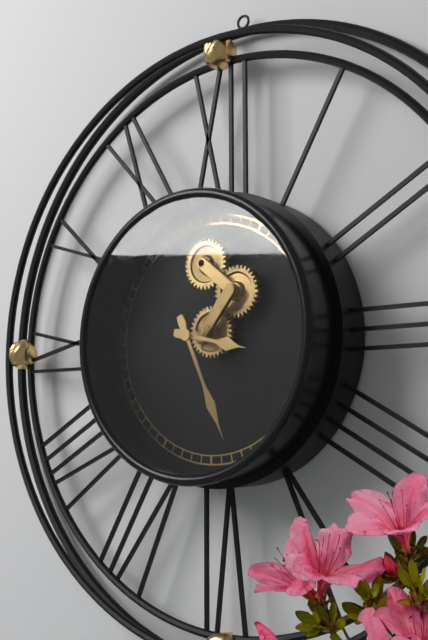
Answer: h=3 m=26
